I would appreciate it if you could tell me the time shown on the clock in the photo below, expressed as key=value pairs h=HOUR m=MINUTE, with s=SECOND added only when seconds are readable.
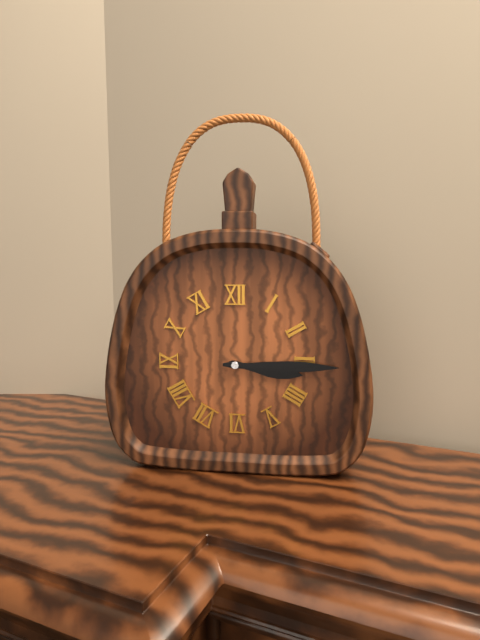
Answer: h=3 m=15
